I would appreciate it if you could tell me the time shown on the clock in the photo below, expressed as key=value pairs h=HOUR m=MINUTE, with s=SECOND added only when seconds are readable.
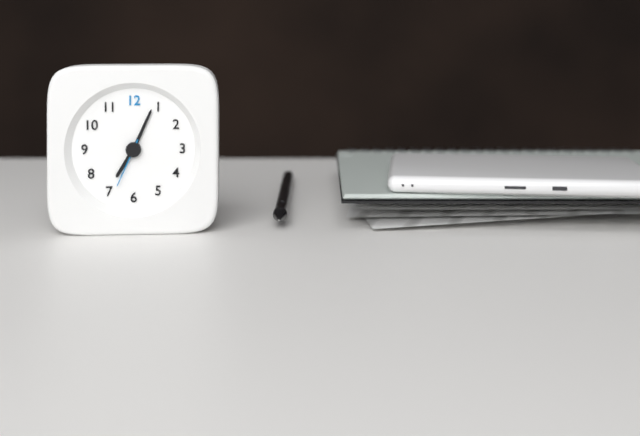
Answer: h=7 m=4 s=34
